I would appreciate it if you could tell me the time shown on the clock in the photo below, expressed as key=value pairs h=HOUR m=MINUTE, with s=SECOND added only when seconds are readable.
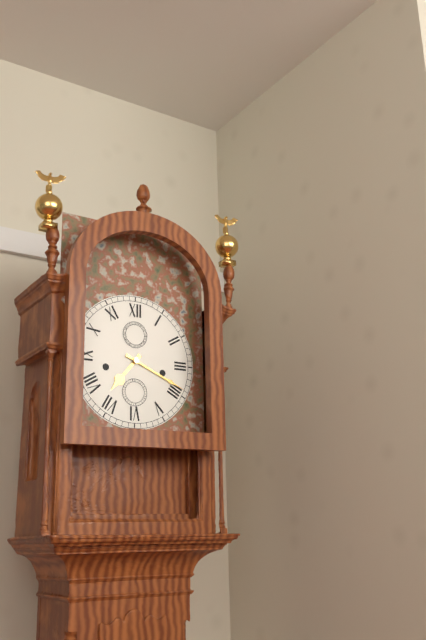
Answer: h=7 m=19
